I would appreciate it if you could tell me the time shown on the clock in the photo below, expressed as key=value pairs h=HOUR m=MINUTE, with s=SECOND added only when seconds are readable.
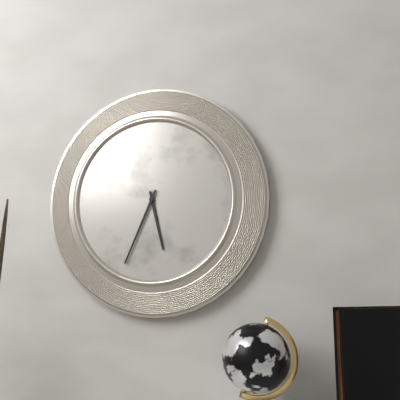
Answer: h=5 m=34
